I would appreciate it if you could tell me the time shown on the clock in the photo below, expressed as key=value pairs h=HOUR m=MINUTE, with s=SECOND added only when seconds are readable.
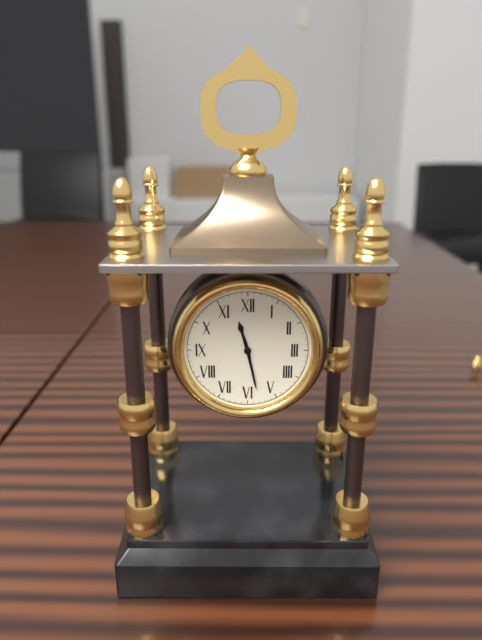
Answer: h=11 m=28
